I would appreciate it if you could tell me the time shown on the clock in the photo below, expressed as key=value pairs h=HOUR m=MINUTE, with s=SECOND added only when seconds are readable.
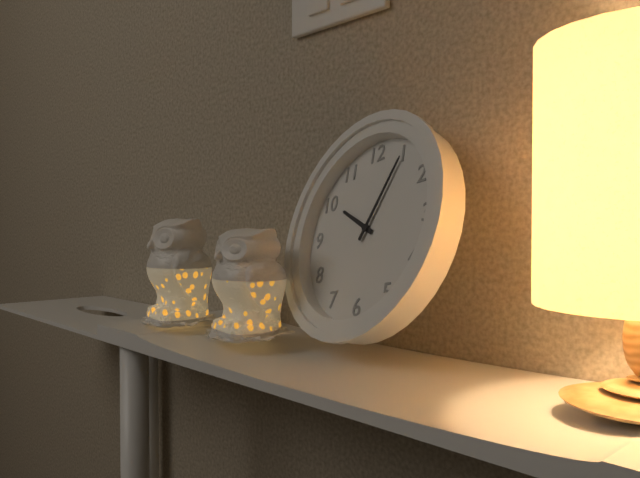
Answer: h=10 m=5
